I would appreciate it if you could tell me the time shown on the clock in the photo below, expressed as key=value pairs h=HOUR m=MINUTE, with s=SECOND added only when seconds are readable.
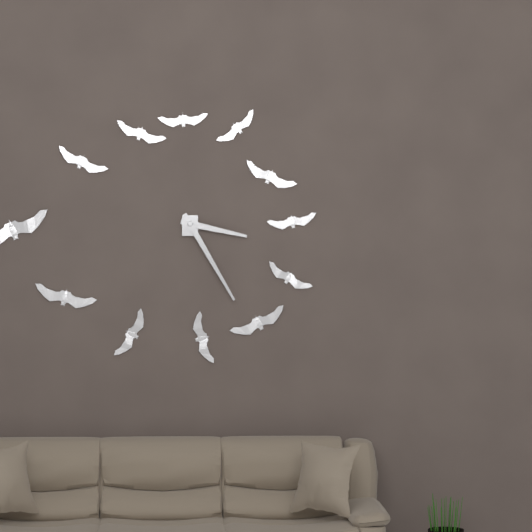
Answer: h=3 m=25
